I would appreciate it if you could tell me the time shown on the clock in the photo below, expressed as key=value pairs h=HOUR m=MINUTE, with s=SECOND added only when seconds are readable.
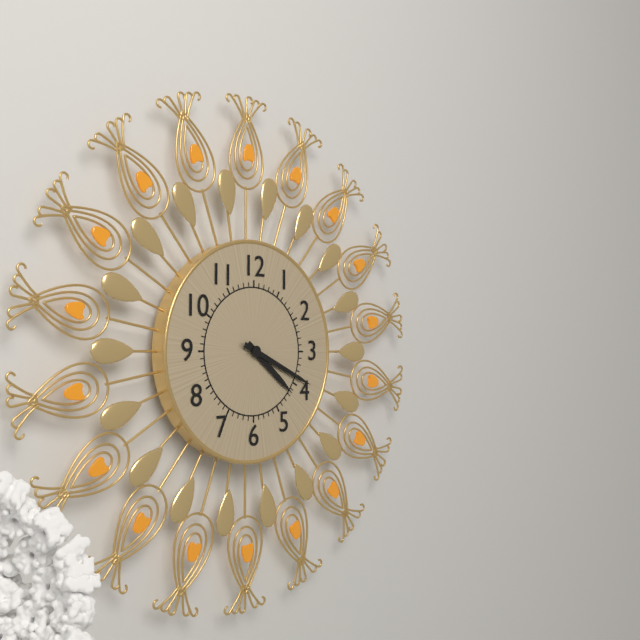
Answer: h=4 m=19
